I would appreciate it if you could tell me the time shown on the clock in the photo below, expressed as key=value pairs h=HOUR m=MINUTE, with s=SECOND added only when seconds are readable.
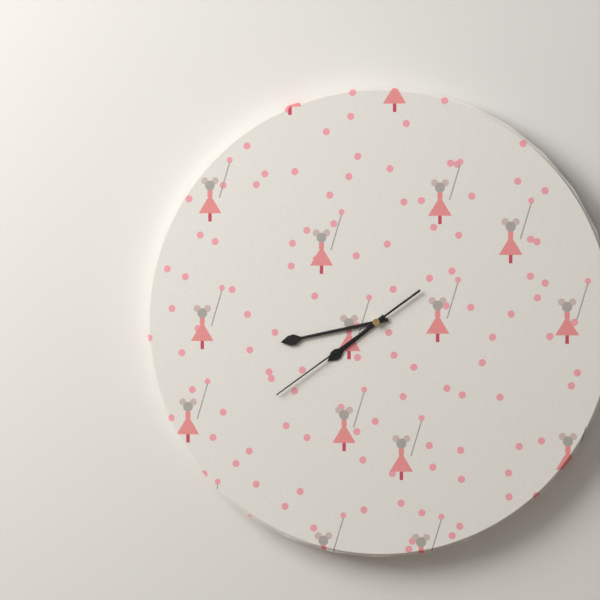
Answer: h=7 m=43 s=39
